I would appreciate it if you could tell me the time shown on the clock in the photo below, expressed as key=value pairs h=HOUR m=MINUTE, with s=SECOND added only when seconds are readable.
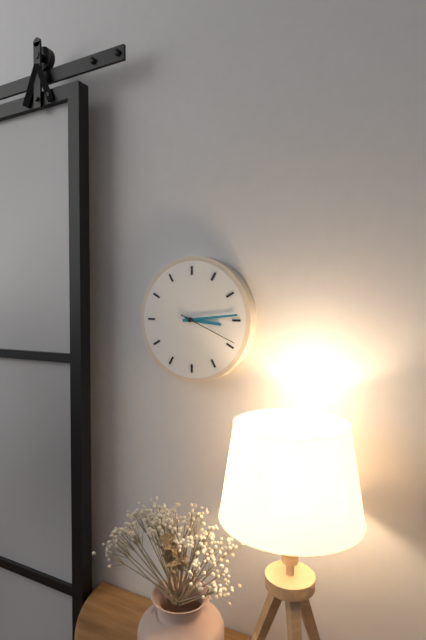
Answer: h=3 m=14 s=19
